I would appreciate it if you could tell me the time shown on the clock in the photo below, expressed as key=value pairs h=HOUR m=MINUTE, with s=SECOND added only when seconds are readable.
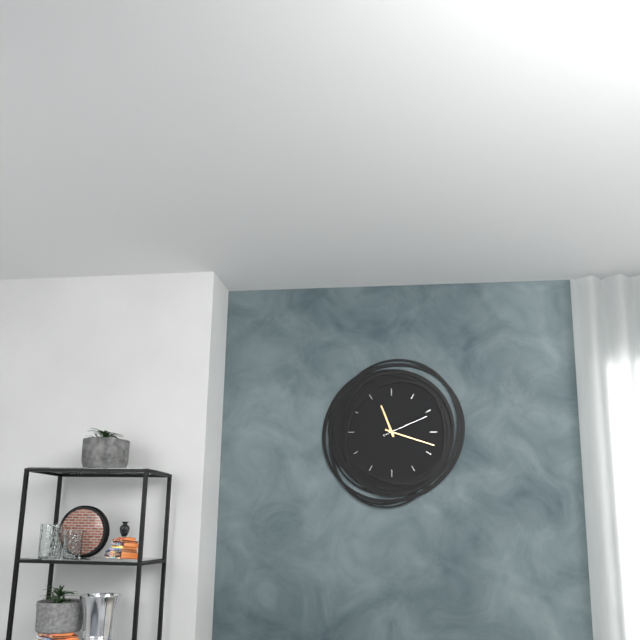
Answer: h=11 m=18
